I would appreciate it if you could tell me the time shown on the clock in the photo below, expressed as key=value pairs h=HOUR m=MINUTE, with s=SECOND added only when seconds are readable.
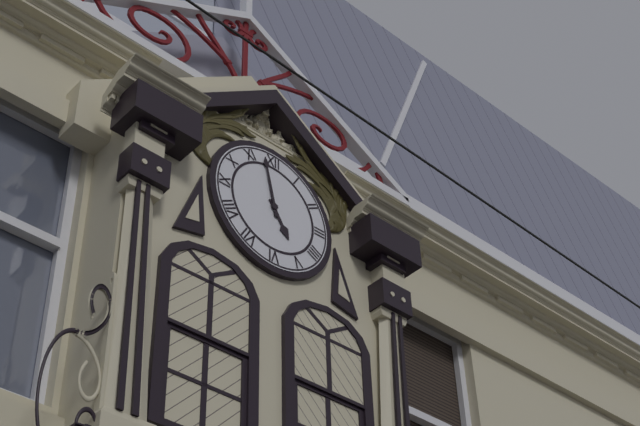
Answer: h=4 m=58
